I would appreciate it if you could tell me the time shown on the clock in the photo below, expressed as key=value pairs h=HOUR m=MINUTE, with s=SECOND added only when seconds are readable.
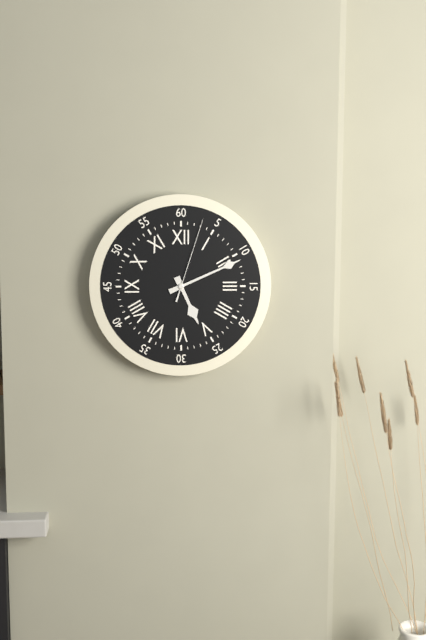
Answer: h=5 m=11 s=3
